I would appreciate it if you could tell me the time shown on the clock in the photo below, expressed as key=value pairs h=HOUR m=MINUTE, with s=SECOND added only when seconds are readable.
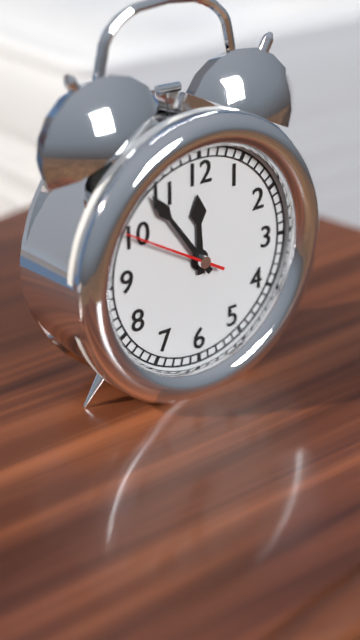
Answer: h=11 m=54 s=50
